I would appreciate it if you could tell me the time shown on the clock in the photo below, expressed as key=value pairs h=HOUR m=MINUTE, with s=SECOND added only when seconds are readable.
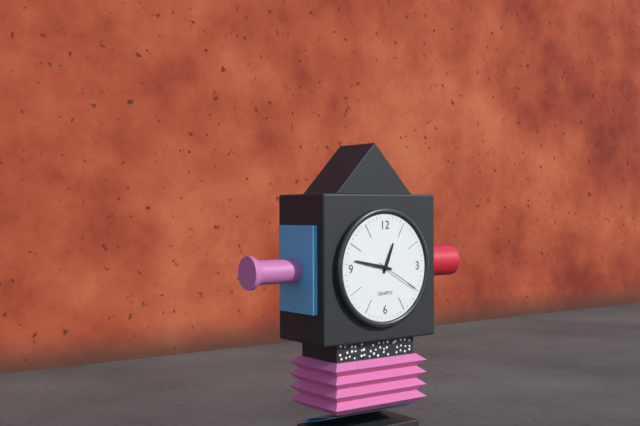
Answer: h=12 m=47
